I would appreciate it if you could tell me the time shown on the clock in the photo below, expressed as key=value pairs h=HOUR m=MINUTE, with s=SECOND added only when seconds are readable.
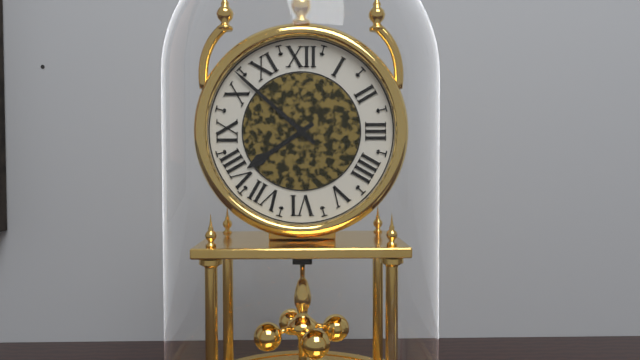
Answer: h=7 m=52
